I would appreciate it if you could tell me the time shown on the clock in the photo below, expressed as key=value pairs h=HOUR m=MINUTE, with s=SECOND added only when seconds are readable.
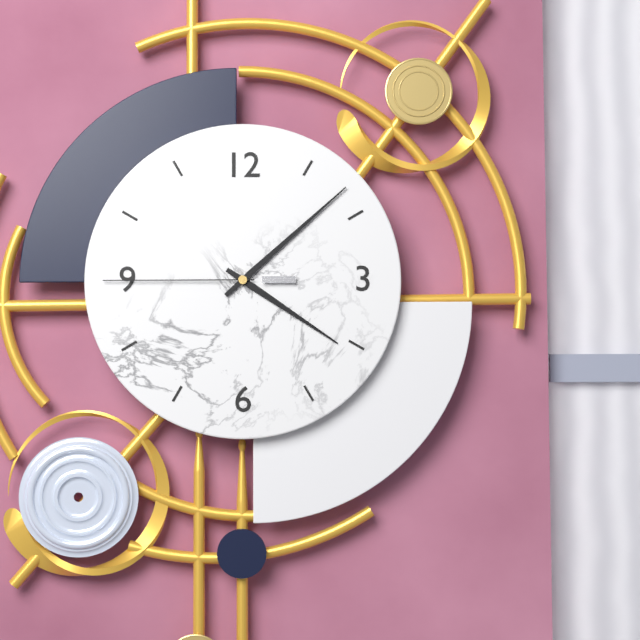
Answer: h=4 m=8 s=45
